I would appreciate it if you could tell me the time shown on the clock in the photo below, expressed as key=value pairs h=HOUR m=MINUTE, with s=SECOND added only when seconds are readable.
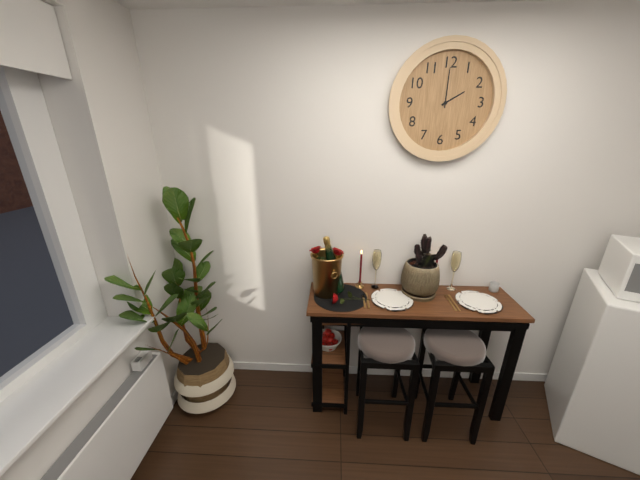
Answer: h=2 m=0
